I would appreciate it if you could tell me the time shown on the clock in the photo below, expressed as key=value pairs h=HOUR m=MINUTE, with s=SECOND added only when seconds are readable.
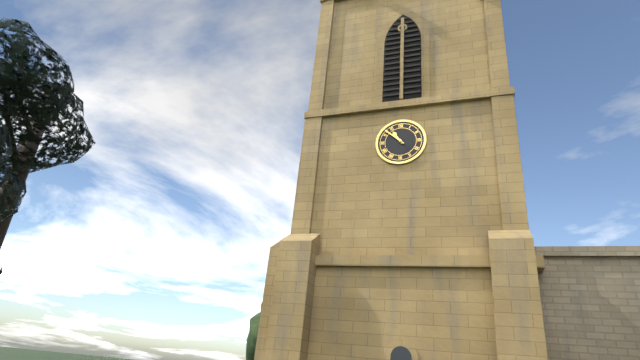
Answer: h=10 m=52
